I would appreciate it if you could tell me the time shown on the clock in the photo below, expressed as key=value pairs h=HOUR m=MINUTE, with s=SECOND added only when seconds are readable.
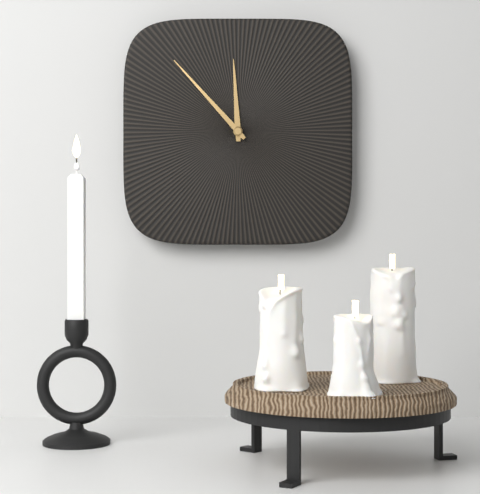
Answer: h=11 m=53
